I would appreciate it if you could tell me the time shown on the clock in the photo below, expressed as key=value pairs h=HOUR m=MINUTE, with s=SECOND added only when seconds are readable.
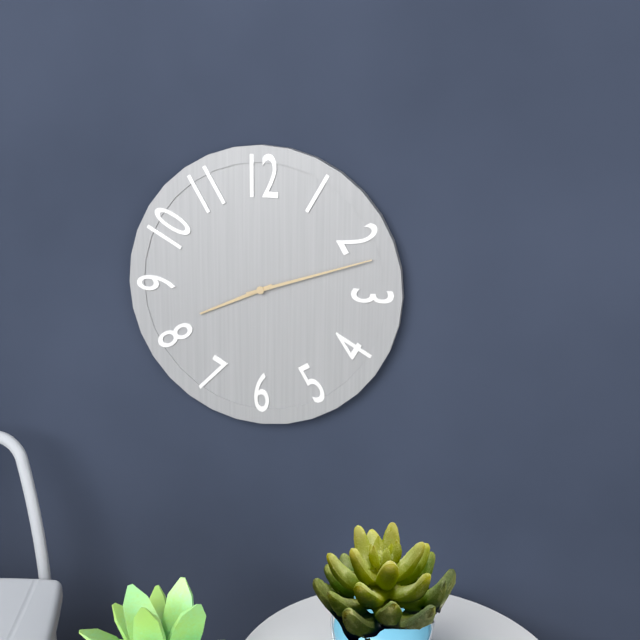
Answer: h=8 m=12
